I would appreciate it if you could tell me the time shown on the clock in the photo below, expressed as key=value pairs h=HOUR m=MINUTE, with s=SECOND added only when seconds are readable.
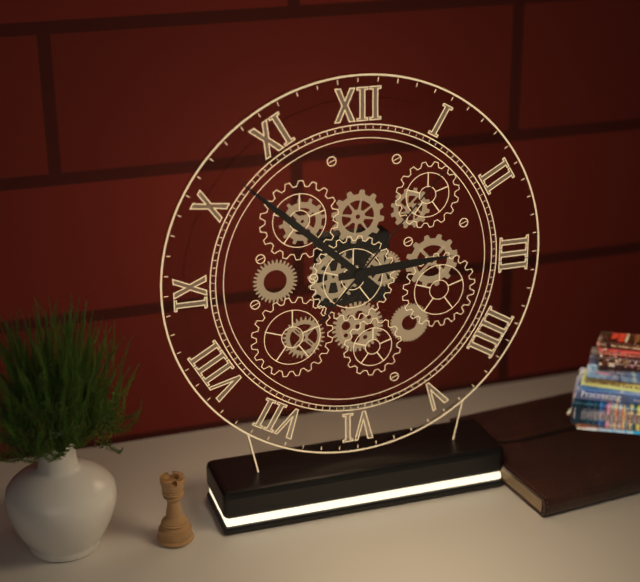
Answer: h=2 m=52 s=7
